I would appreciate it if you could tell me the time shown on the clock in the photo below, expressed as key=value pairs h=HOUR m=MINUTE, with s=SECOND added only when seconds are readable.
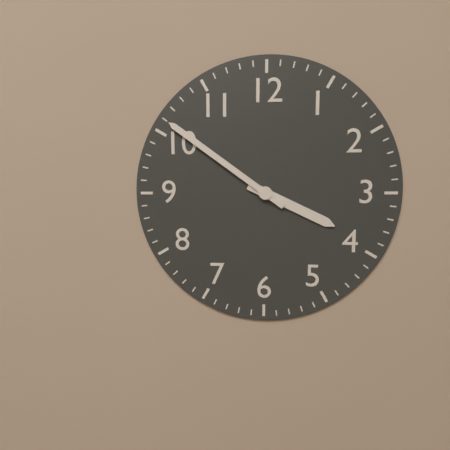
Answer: h=3 m=51
